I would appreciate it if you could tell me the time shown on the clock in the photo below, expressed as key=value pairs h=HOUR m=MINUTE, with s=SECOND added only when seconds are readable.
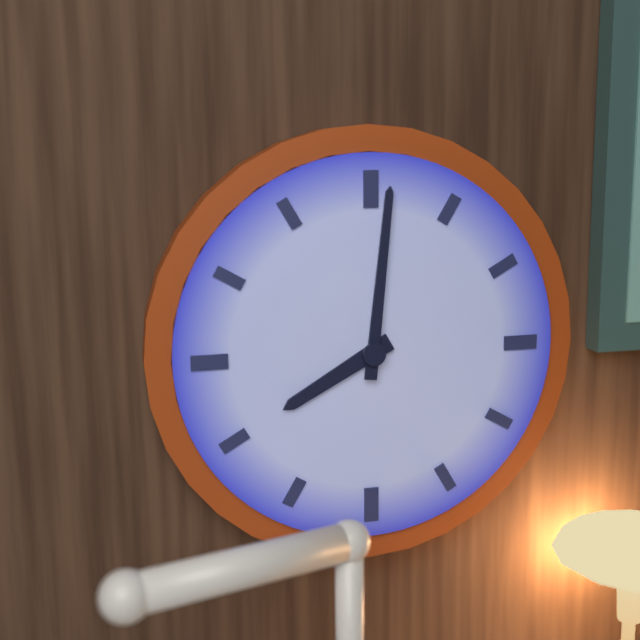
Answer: h=8 m=1
